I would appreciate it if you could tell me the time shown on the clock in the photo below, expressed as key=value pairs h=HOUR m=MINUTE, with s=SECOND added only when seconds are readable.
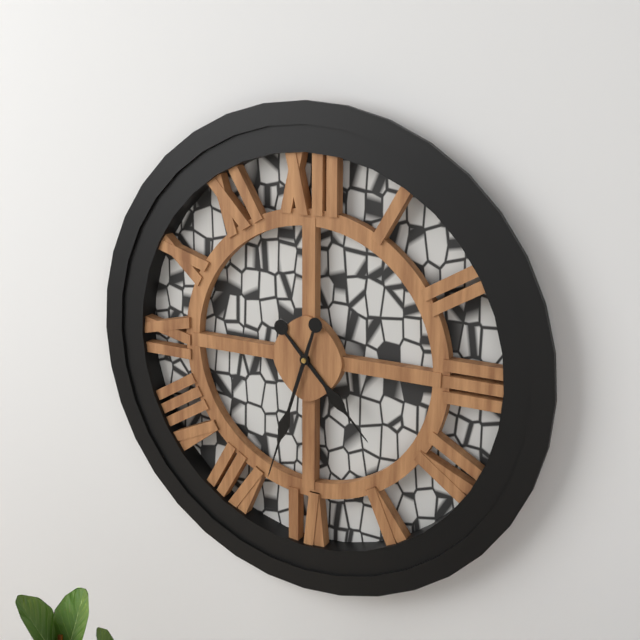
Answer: h=4 m=33
